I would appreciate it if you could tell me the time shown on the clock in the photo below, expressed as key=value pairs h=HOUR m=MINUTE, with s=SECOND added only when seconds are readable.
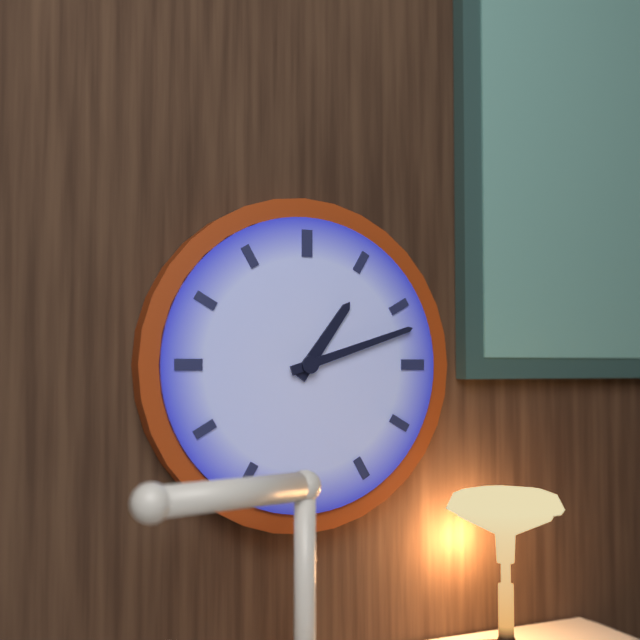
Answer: h=1 m=12
